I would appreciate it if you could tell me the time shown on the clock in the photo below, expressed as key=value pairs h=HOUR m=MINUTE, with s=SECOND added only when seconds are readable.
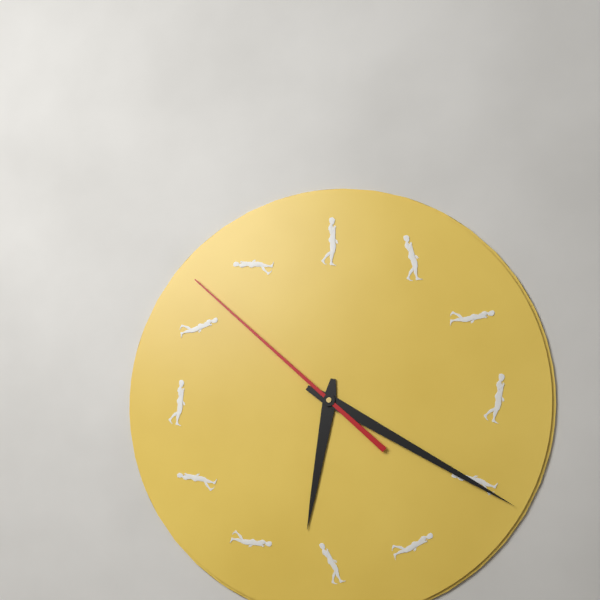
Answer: h=6 m=20 s=52
